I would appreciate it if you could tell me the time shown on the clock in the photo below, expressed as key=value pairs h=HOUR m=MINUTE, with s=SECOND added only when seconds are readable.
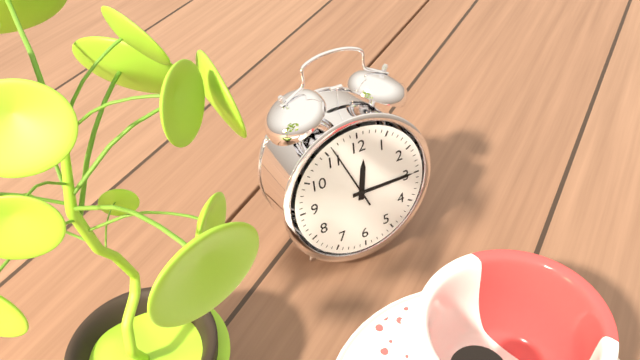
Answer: h=12 m=15 s=56
